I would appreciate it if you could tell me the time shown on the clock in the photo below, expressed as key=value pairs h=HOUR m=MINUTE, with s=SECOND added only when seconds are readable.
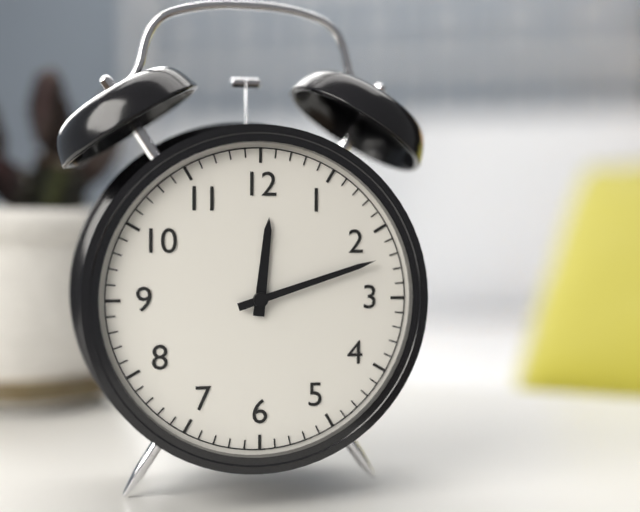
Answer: h=12 m=12
